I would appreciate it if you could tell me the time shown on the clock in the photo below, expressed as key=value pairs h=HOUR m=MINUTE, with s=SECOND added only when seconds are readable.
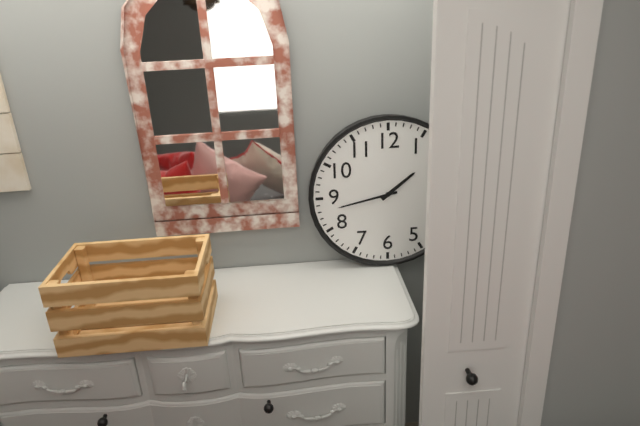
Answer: h=1 m=43
